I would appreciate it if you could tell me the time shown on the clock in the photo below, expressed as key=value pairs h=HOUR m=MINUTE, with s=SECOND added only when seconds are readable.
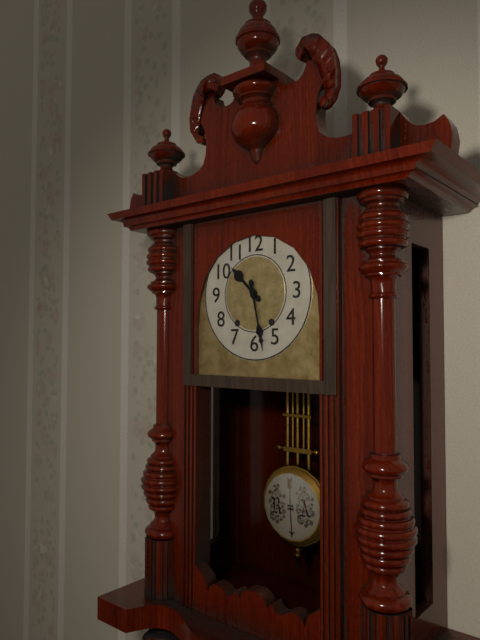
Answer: h=10 m=28
